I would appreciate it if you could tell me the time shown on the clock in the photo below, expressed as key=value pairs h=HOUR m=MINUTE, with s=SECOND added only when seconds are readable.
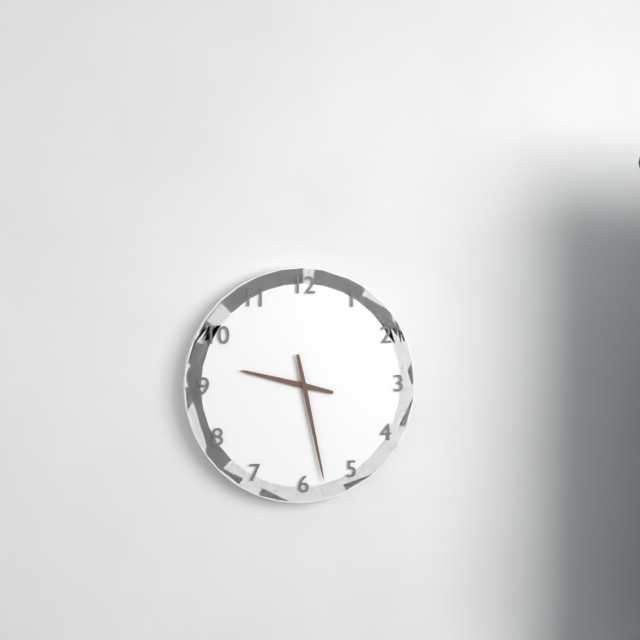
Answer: h=9 m=28
